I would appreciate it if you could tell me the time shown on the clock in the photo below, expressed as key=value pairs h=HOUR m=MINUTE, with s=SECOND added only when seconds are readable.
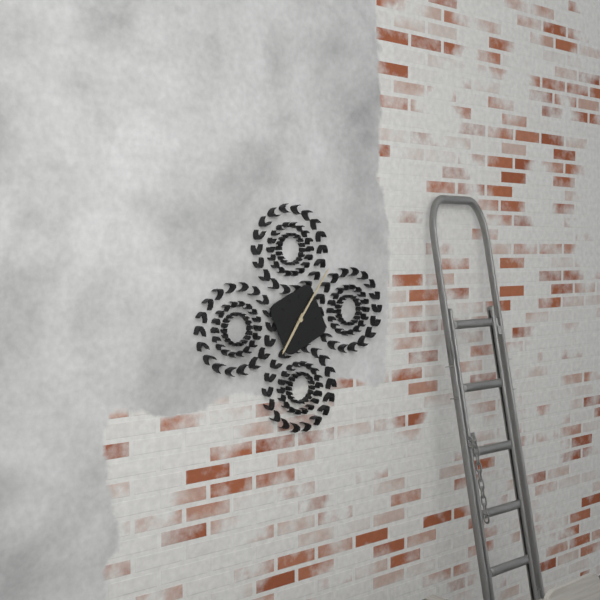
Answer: h=7 m=6
